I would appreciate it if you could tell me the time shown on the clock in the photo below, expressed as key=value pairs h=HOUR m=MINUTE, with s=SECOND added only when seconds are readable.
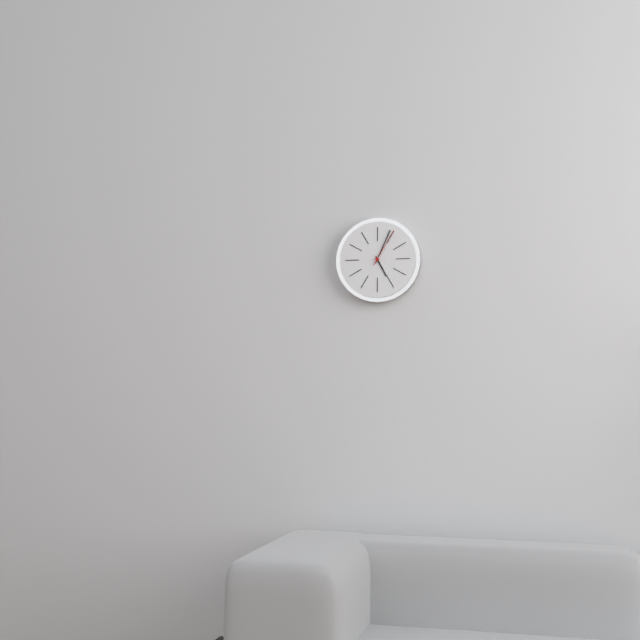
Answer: h=5 m=4
